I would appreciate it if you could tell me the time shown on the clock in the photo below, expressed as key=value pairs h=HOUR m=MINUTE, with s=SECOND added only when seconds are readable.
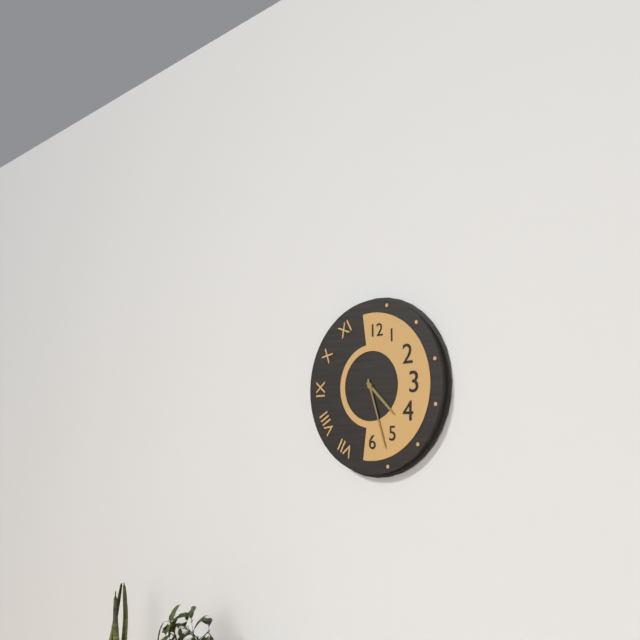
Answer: h=4 m=27
